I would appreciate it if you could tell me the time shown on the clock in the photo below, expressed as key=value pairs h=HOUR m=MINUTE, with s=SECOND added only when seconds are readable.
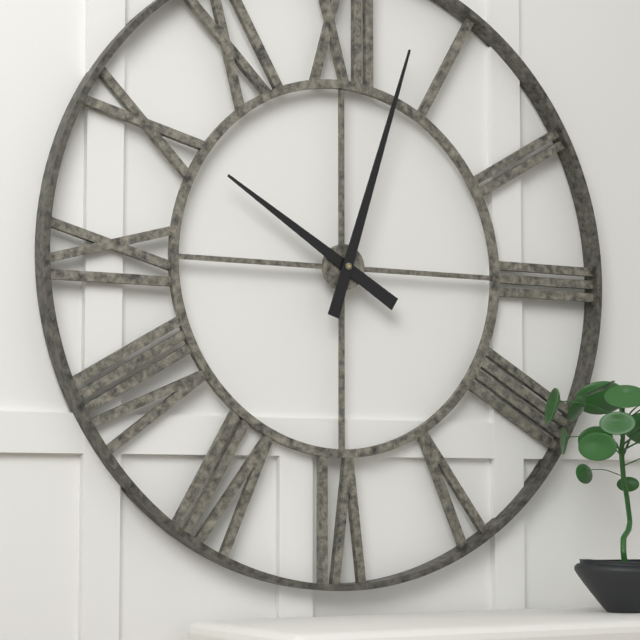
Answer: h=10 m=3
